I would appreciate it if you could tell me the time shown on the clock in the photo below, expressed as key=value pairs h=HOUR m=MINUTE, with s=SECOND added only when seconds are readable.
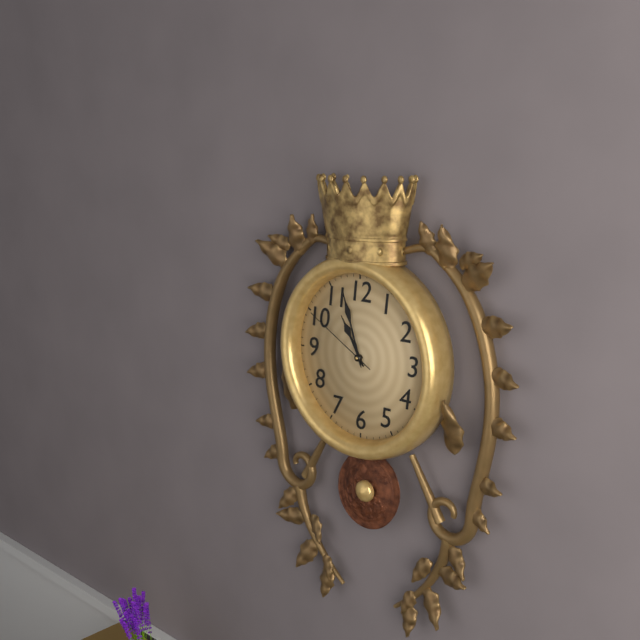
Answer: h=10 m=57 s=50
